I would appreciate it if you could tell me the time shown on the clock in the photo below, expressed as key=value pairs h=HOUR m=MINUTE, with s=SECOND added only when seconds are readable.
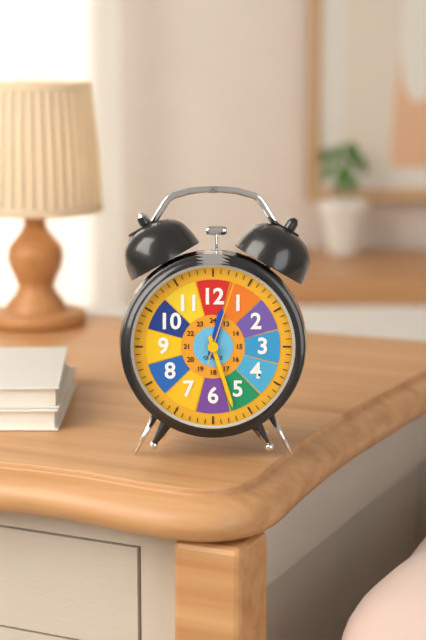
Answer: h=12 m=27 s=3
